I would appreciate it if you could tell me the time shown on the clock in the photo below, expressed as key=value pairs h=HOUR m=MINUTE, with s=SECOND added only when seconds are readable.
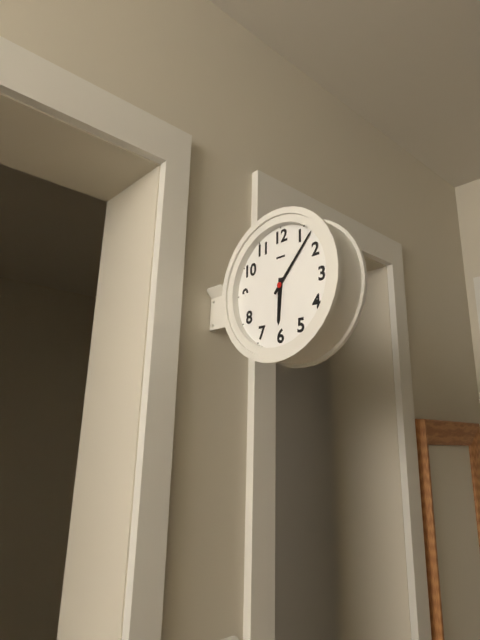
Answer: h=6 m=7
